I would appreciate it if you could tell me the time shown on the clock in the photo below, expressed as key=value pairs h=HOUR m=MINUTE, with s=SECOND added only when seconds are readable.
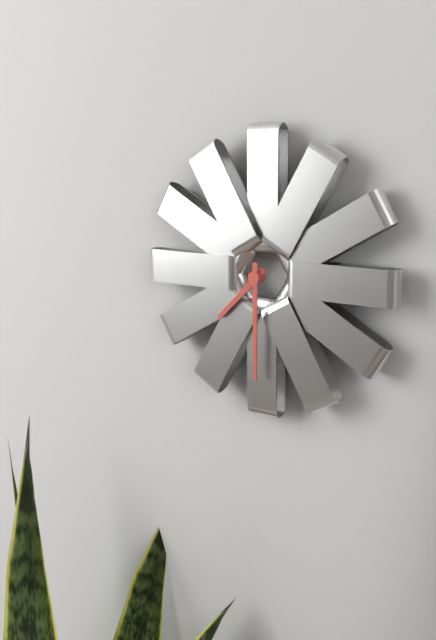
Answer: h=7 m=30
